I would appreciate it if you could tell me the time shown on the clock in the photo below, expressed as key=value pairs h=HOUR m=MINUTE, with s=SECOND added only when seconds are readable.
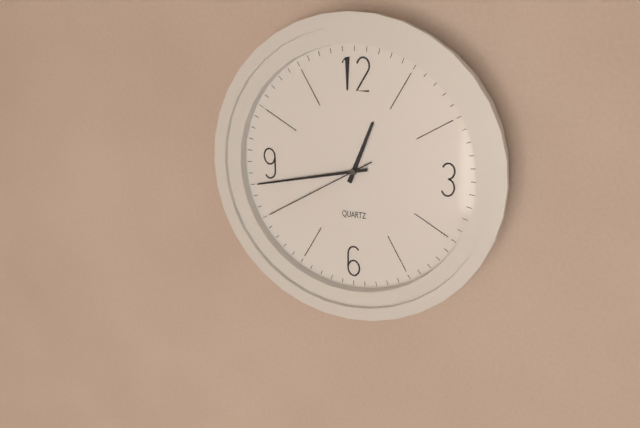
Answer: h=12 m=43 s=40
